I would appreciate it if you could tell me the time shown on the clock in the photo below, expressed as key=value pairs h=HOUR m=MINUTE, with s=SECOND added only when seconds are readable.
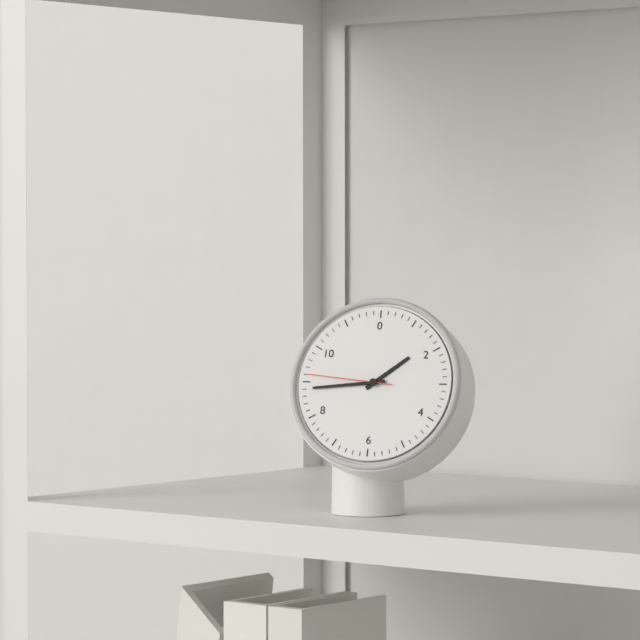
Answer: h=1 m=44 s=46
